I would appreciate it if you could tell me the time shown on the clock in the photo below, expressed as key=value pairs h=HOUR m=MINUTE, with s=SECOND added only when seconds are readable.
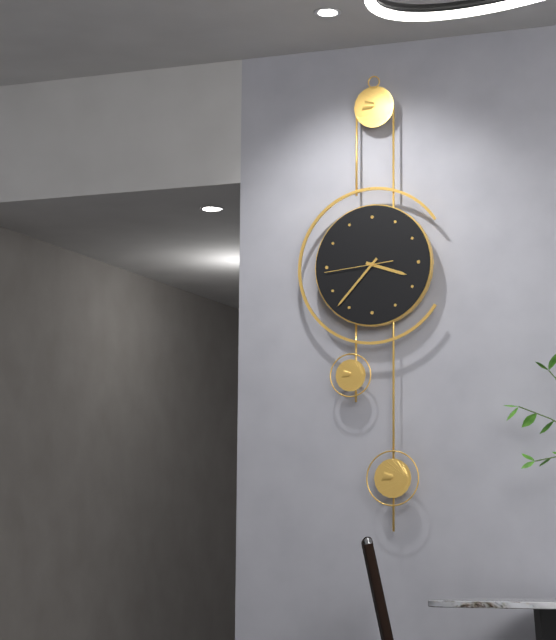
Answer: h=3 m=37 s=44
